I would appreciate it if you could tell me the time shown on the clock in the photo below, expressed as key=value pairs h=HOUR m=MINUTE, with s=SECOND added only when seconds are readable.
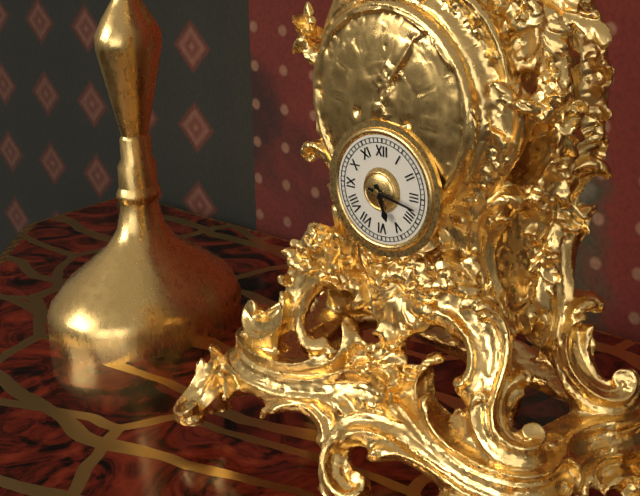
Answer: h=5 m=17
